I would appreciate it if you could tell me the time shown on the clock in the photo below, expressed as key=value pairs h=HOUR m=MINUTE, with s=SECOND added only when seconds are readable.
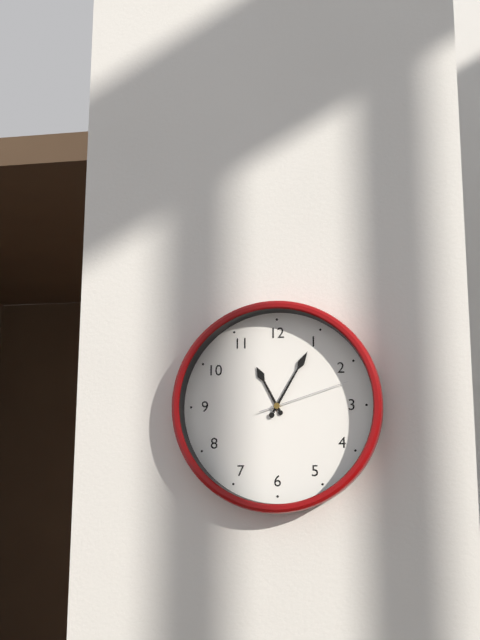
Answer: h=11 m=5 s=12
